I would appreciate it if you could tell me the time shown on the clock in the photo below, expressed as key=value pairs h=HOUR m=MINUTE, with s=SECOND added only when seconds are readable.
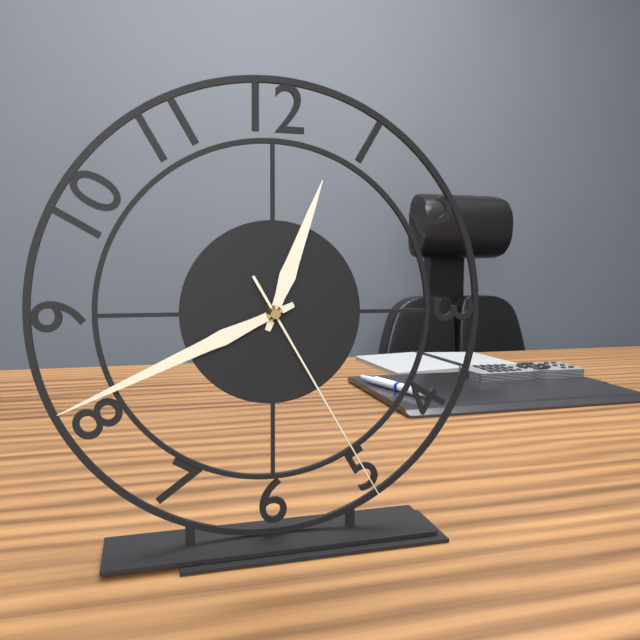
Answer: h=12 m=41 s=25
